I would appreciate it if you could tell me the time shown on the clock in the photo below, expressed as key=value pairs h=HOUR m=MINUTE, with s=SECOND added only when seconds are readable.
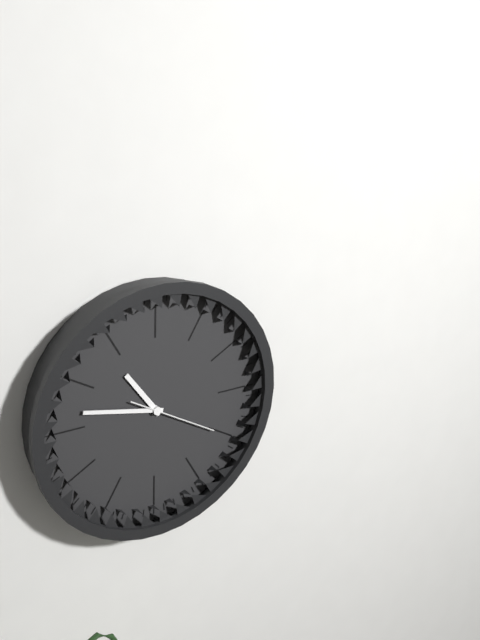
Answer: h=10 m=47 s=20
